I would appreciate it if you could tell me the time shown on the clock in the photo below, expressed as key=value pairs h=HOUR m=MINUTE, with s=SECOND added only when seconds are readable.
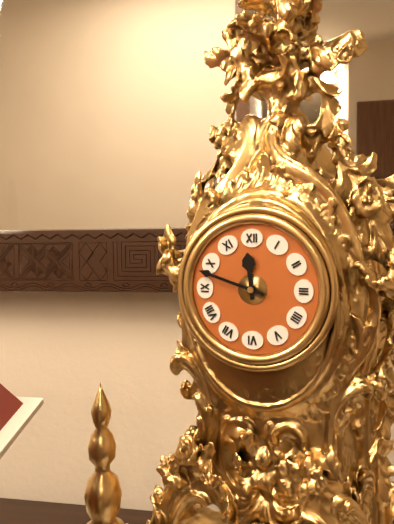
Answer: h=11 m=48
